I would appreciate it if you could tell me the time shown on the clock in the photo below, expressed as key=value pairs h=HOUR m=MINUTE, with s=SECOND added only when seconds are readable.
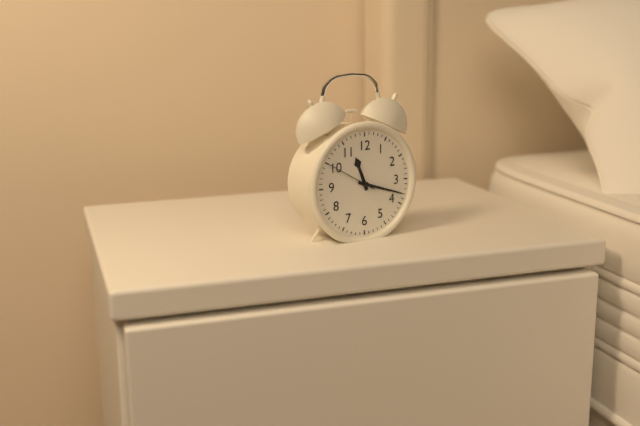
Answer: h=11 m=18 s=50
